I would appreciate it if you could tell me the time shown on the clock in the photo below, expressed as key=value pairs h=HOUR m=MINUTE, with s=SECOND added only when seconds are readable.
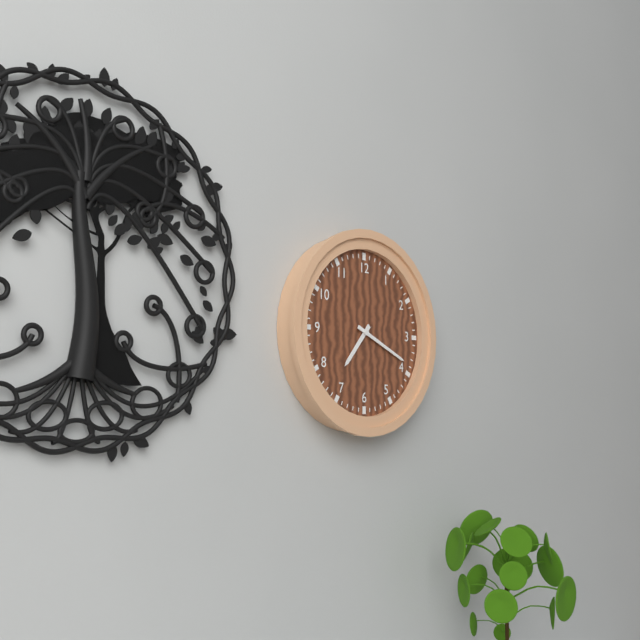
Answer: h=7 m=19
